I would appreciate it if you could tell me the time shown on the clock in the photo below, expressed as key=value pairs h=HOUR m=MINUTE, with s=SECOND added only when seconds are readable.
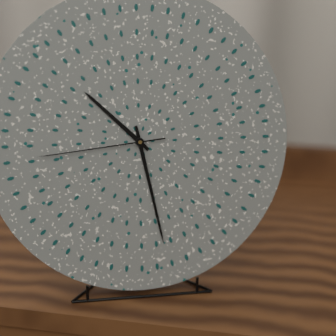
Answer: h=10 m=28 s=44
